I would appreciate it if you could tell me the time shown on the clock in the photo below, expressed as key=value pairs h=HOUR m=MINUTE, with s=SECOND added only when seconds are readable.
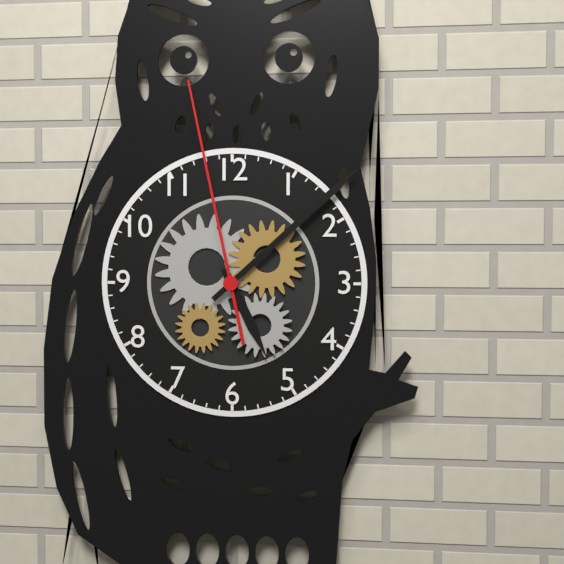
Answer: h=5 m=8 s=58
